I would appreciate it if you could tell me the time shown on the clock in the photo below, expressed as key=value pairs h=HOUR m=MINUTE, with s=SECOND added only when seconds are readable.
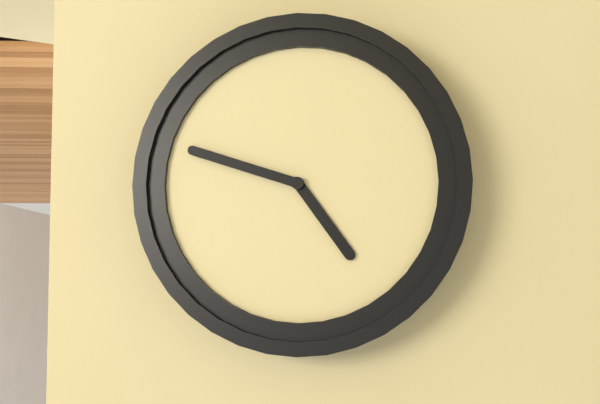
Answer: h=4 m=48
